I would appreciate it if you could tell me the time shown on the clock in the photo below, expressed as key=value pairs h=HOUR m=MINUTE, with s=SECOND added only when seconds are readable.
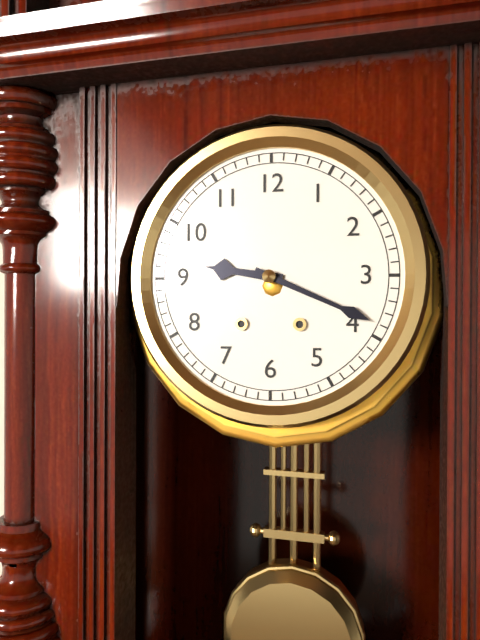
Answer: h=9 m=19
